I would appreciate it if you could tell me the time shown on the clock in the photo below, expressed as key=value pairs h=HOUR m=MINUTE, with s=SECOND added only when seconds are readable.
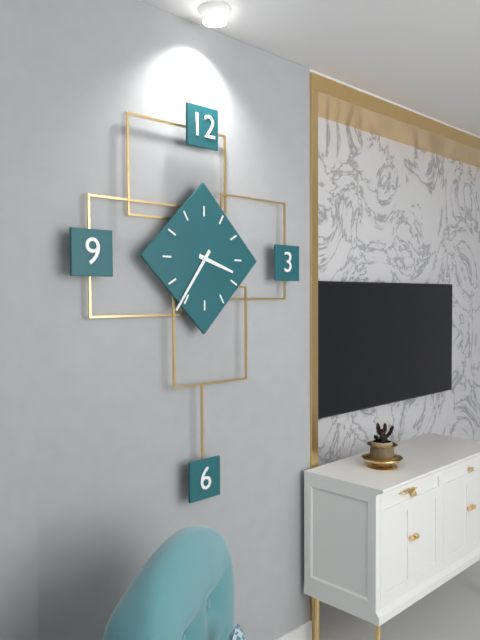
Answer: h=3 m=36
